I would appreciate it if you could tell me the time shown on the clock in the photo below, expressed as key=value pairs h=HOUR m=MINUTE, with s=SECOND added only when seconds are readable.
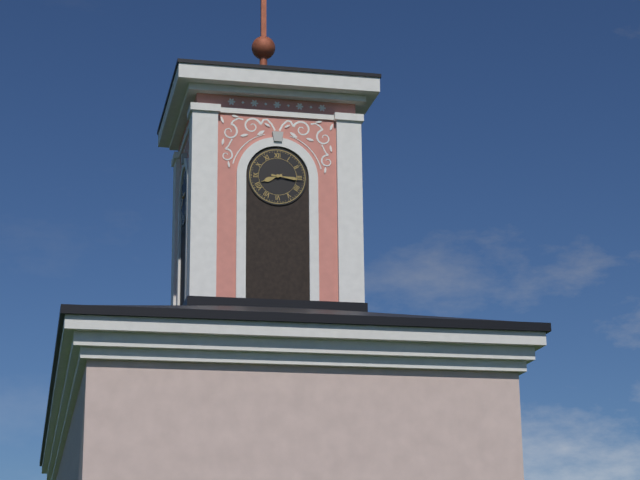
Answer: h=8 m=16
